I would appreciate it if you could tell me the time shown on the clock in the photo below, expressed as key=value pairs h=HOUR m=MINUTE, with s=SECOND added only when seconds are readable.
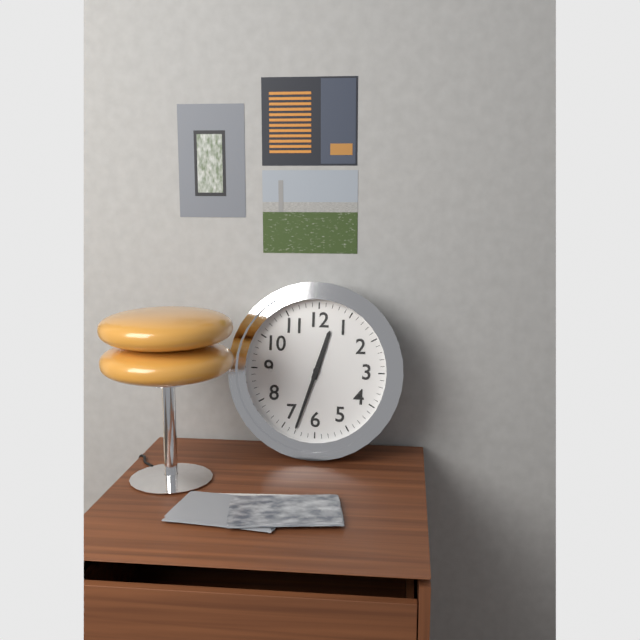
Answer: h=12 m=33
